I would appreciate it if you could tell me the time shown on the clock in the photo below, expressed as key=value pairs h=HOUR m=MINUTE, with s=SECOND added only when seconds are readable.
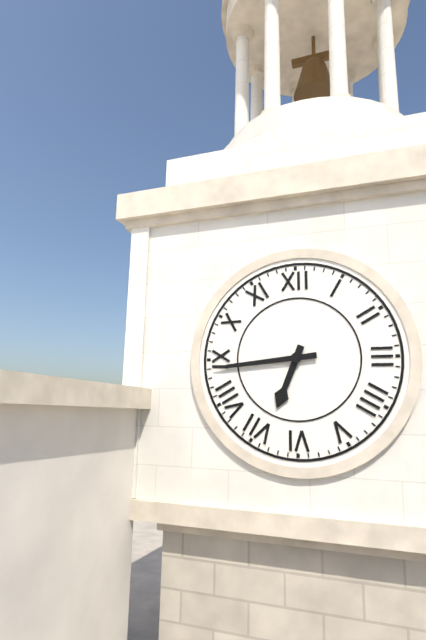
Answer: h=6 m=44
